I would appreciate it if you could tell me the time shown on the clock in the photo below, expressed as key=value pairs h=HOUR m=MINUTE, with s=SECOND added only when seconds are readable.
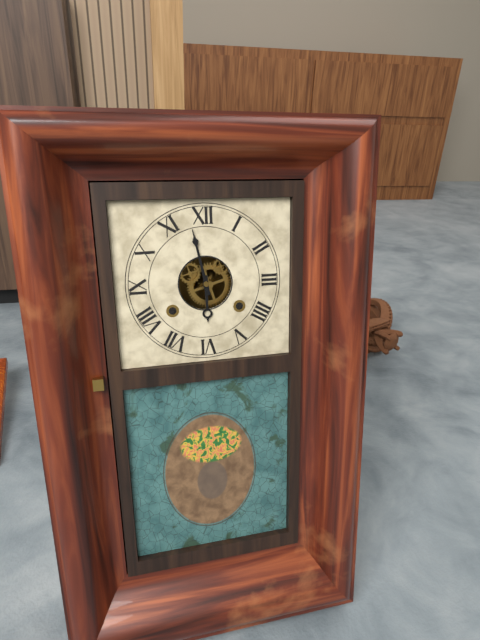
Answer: h=5 m=58
